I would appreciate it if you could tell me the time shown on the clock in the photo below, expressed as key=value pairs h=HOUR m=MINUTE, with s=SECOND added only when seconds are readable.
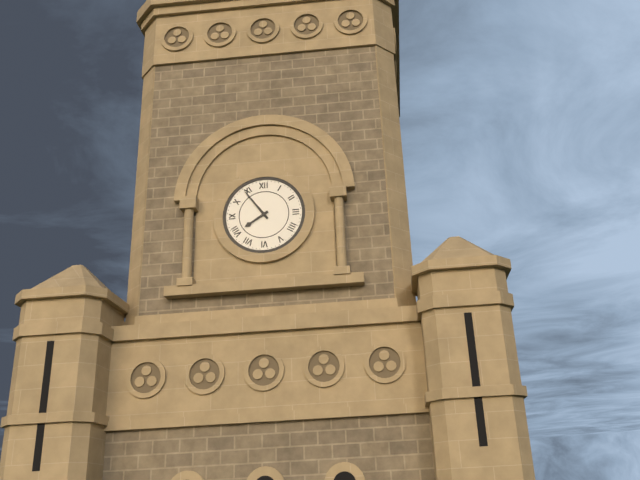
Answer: h=7 m=54
